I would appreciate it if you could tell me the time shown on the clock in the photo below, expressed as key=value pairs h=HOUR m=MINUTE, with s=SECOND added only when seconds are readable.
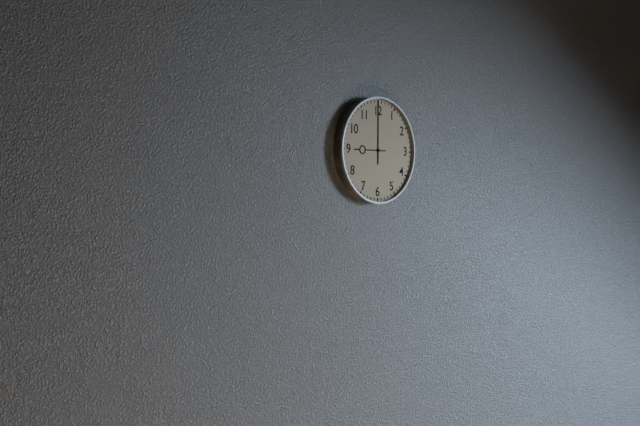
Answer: h=9 m=0
